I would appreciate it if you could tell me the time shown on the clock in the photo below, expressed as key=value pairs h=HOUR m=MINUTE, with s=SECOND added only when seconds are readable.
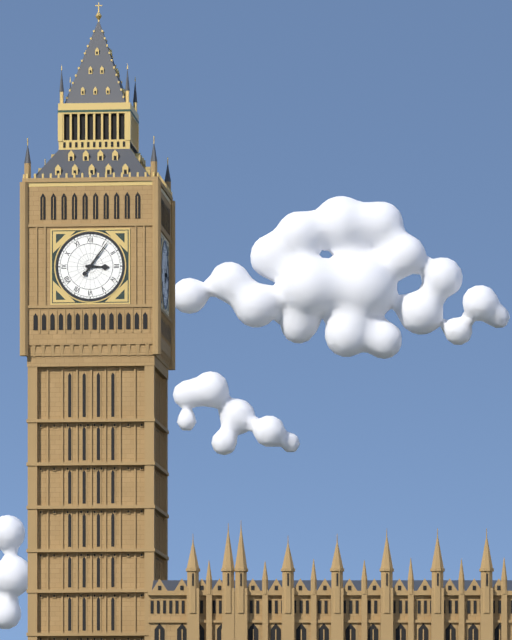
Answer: h=3 m=6
